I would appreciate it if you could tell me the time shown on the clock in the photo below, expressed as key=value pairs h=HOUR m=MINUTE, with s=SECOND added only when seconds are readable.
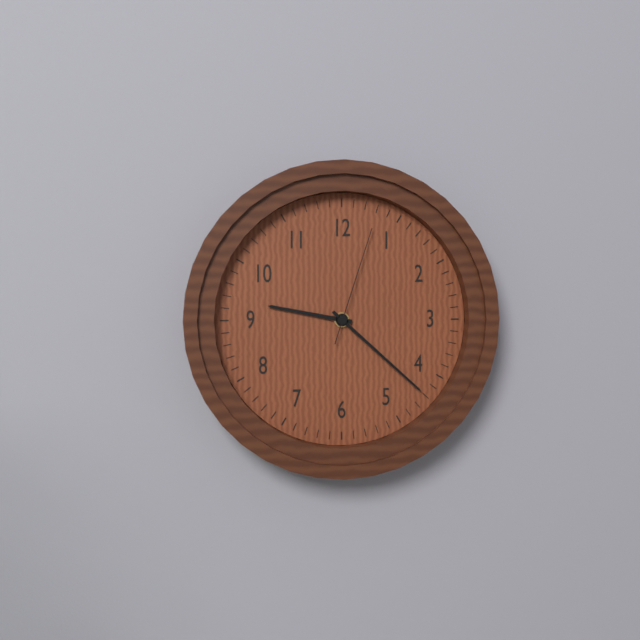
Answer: h=9 m=22 s=3
